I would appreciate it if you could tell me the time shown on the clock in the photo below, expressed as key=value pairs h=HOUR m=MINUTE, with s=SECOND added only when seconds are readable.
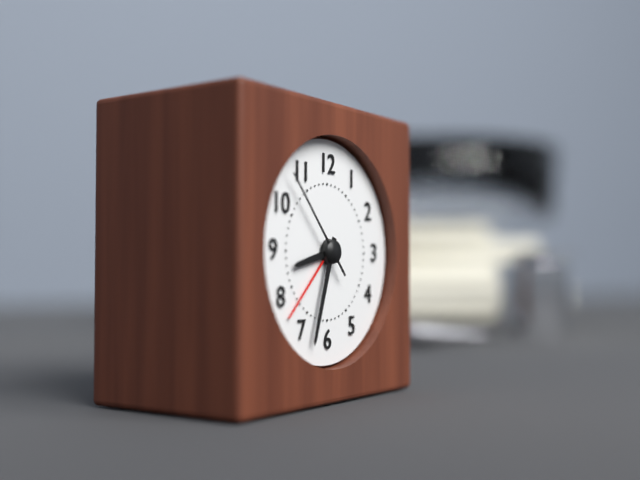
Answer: h=8 m=33 s=53
